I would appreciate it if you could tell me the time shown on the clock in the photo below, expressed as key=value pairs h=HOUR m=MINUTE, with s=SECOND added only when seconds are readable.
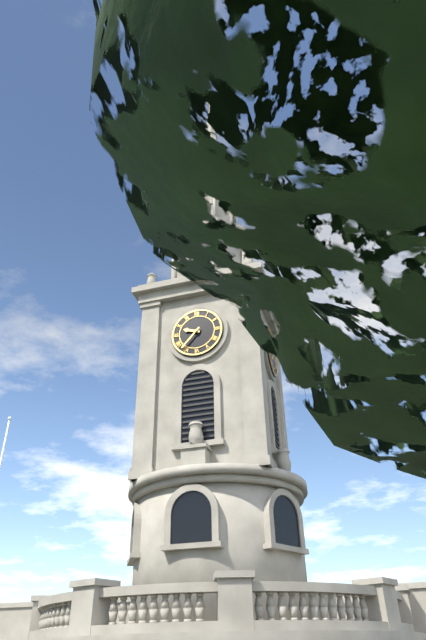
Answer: h=9 m=37
